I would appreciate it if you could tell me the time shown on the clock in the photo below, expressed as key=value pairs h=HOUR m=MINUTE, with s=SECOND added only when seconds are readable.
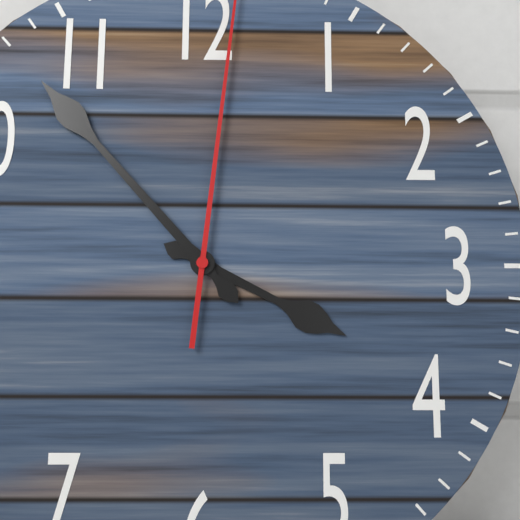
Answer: h=3 m=53
